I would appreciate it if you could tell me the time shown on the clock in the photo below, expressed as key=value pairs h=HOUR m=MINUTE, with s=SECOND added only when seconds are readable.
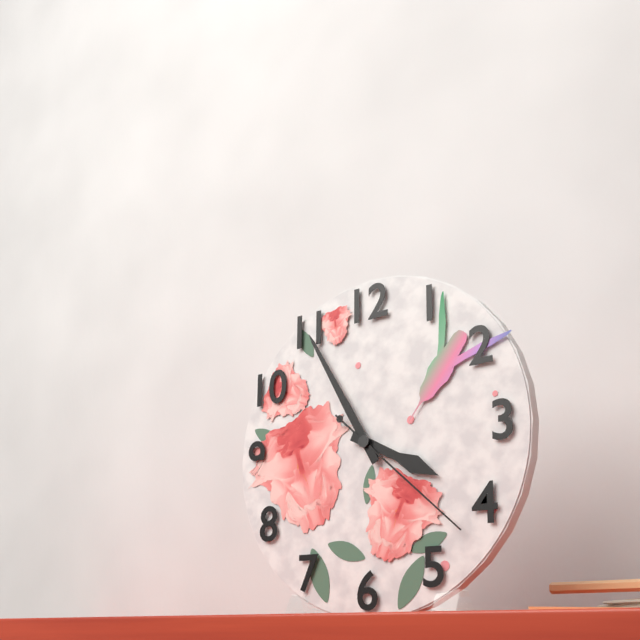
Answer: h=3 m=55 s=22
